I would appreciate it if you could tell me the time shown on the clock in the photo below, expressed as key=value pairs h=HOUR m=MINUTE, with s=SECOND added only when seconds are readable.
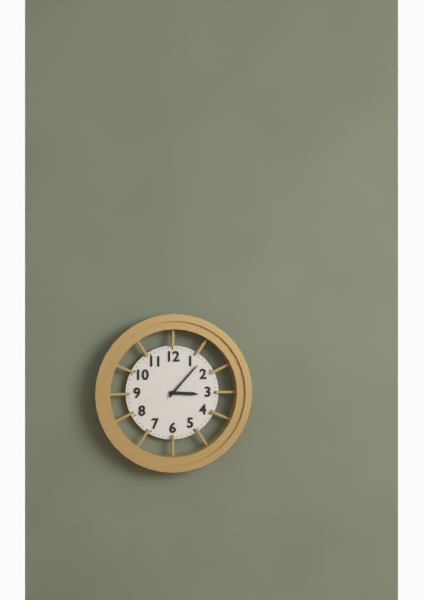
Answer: h=3 m=7
